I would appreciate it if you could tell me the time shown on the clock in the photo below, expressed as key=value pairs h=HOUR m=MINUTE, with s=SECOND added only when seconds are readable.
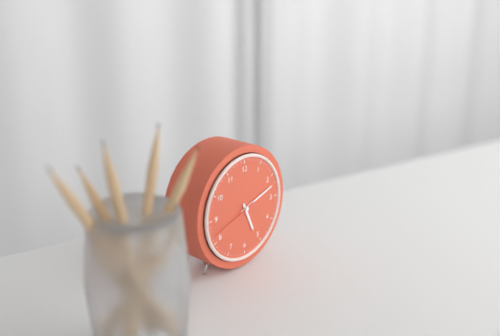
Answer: h=5 m=12 s=42
